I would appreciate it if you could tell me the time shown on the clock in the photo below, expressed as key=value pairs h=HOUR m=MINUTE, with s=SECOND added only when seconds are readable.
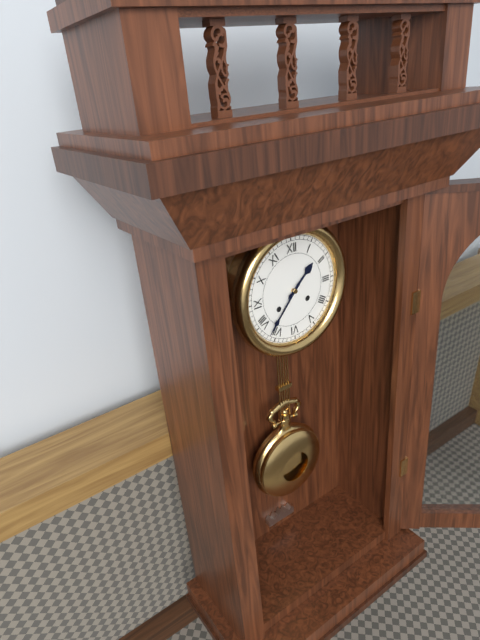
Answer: h=1 m=37
